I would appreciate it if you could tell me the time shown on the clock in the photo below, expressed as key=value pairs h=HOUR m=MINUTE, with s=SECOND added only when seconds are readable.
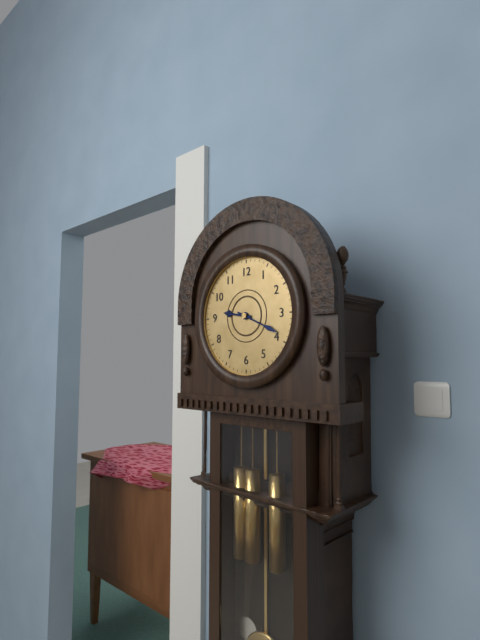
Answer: h=9 m=19
